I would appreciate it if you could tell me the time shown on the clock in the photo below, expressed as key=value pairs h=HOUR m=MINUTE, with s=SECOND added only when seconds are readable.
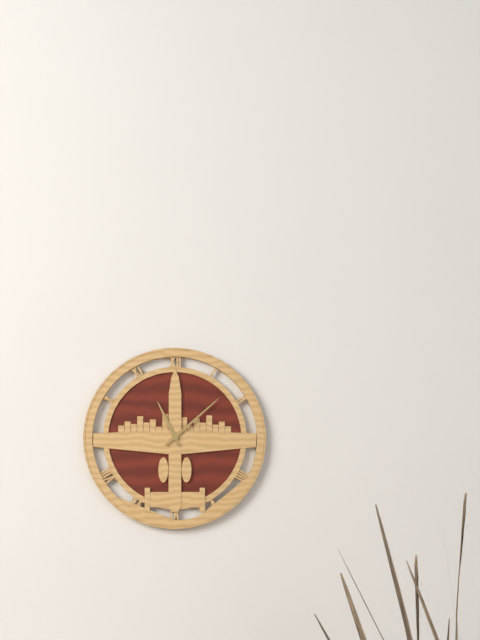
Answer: h=11 m=8
